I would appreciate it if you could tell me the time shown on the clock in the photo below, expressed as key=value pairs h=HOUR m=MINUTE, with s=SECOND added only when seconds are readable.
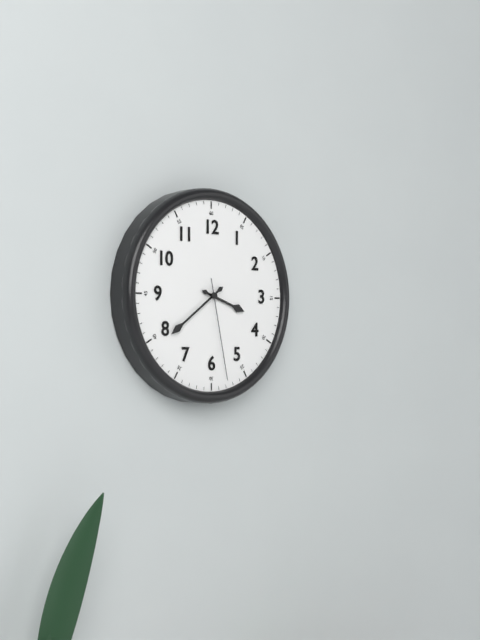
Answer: h=3 m=39 s=28
